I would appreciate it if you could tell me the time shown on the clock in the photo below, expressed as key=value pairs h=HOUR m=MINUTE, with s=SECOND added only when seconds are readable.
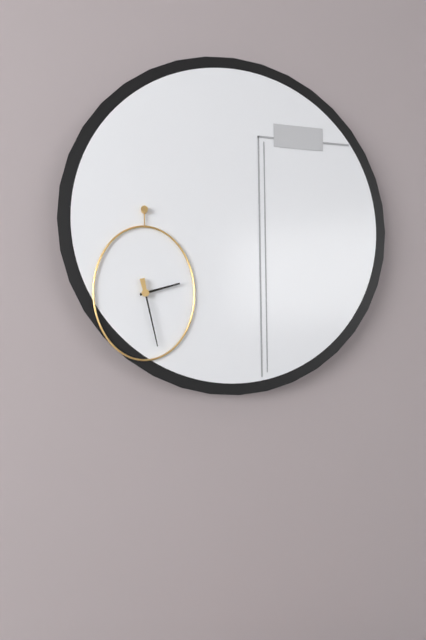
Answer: h=2 m=28
